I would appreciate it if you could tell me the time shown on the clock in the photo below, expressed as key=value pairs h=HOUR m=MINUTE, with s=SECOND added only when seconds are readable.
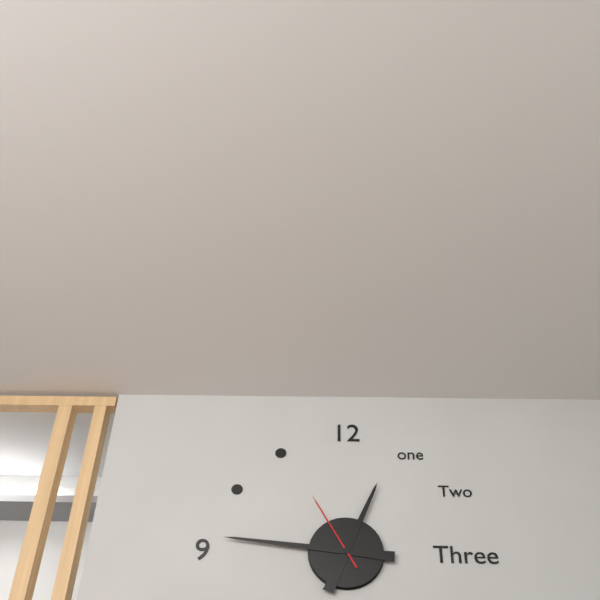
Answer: h=12 m=46 s=55
